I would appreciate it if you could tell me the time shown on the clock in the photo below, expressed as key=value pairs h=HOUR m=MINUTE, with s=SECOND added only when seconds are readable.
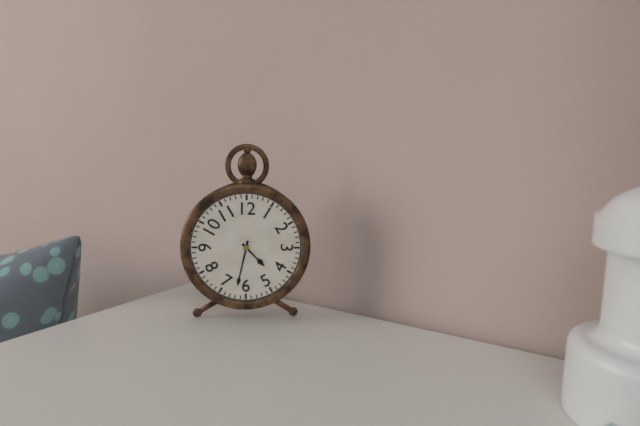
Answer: h=4 m=32
